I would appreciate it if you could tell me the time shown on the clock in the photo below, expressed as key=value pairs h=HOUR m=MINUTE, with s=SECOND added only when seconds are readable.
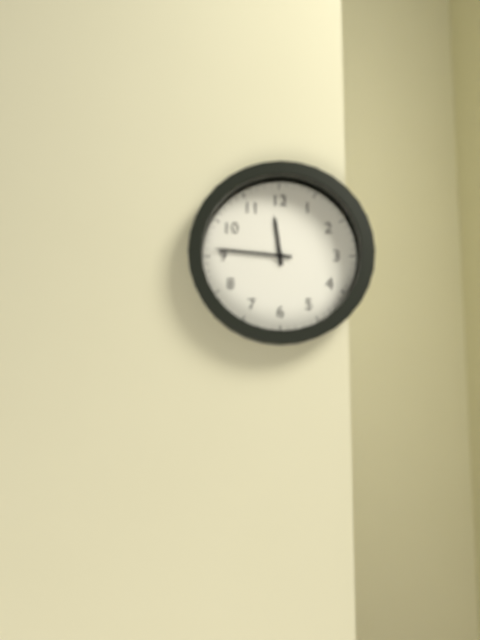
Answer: h=11 m=46
